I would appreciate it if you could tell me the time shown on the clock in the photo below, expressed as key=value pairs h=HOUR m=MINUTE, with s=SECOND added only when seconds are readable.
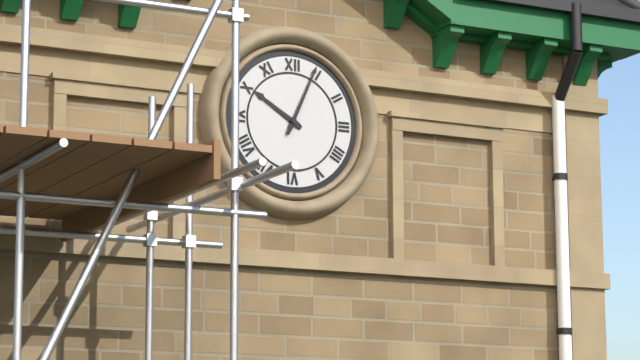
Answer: h=10 m=4
